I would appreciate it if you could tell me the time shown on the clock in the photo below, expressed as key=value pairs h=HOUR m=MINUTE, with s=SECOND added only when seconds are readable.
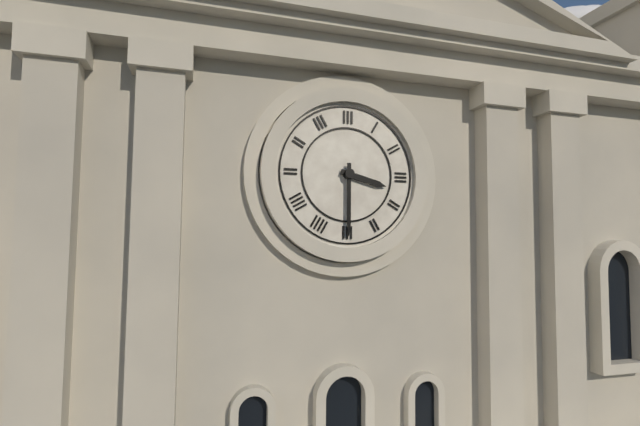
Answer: h=3 m=30
